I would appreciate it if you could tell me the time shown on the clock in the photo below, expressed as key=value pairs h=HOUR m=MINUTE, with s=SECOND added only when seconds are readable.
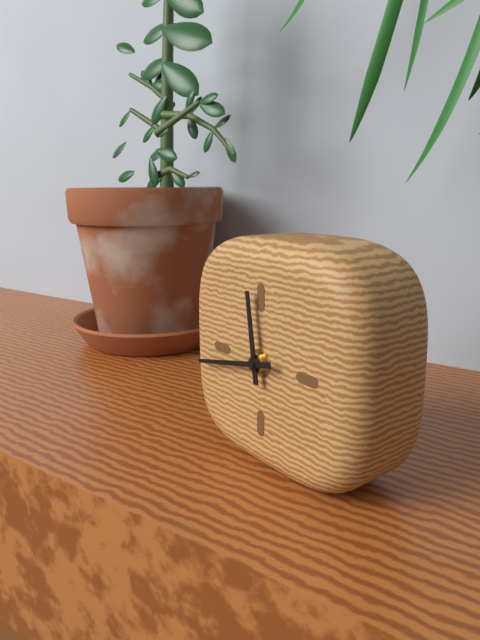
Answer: h=11 m=43
